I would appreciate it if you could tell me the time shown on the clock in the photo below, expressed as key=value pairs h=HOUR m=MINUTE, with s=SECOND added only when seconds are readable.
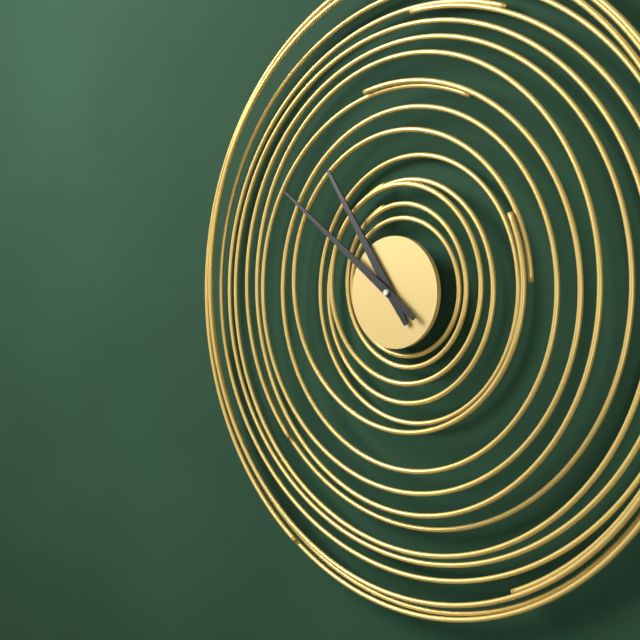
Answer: h=10 m=51
